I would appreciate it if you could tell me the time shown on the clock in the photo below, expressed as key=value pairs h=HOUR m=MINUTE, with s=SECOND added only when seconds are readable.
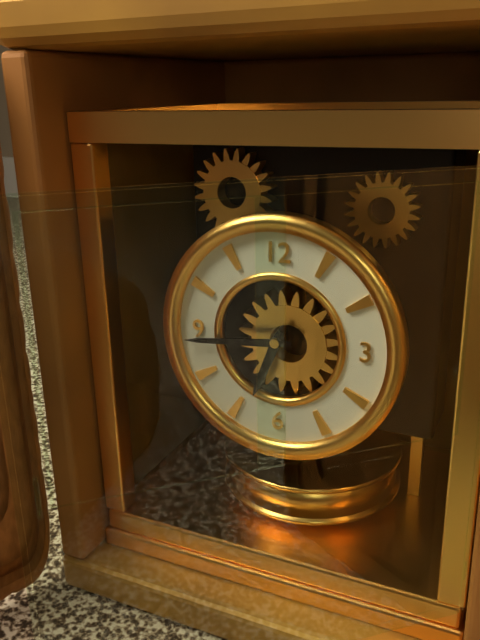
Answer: h=6 m=44
